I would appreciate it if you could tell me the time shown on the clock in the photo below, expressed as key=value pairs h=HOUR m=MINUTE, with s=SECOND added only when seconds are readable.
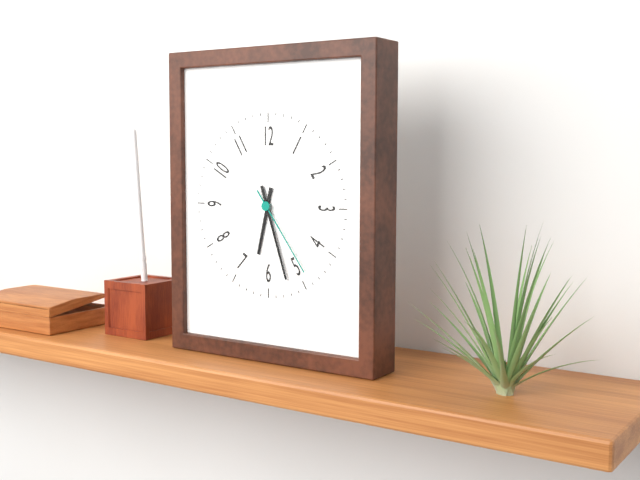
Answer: h=6 m=27 s=24
